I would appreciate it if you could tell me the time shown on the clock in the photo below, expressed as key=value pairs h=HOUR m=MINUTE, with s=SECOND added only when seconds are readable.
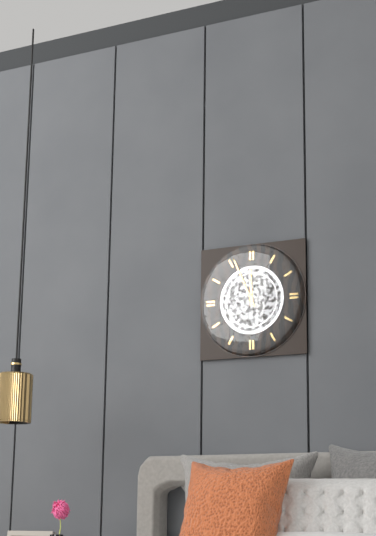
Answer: h=11 m=56
